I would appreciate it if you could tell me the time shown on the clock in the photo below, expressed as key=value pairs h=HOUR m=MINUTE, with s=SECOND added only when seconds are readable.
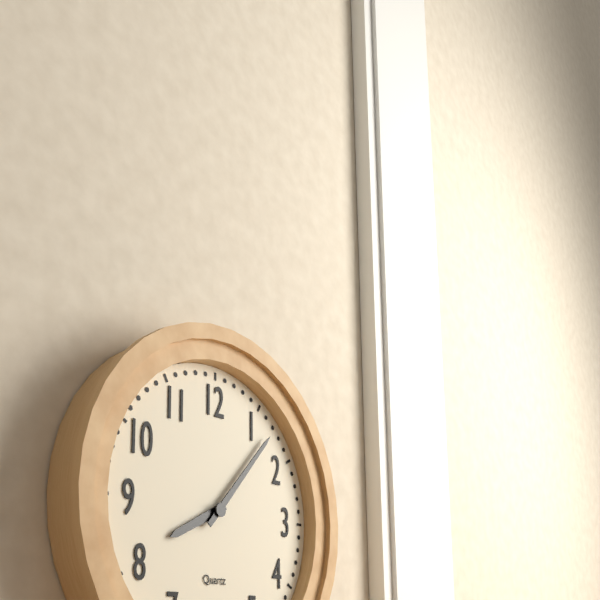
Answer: h=8 m=7
